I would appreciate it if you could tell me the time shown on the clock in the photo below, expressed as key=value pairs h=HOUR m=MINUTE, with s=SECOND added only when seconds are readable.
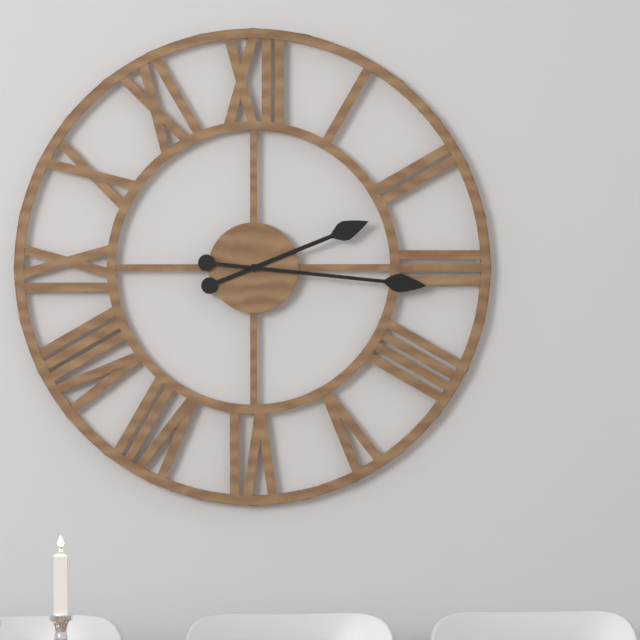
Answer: h=2 m=16
